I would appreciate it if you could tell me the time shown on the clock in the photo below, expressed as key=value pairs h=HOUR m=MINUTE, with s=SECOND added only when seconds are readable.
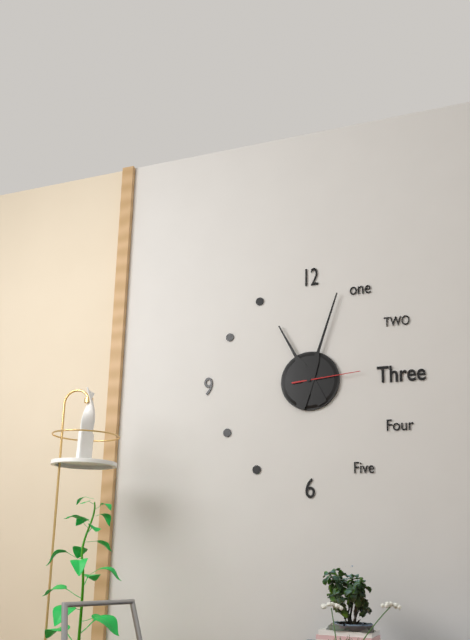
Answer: h=11 m=3 s=14
